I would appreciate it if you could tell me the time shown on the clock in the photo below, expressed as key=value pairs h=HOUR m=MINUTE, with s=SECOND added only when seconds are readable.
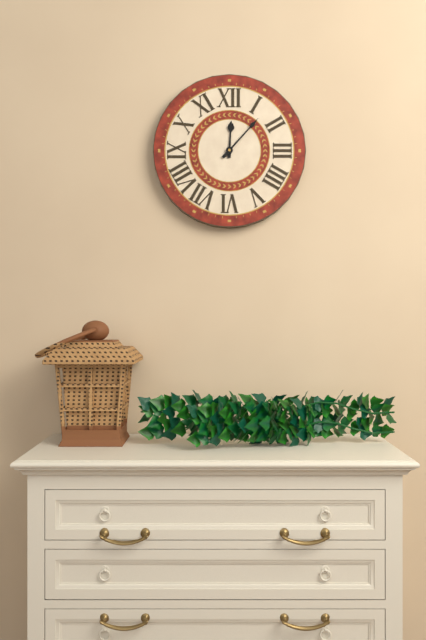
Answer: h=12 m=7
